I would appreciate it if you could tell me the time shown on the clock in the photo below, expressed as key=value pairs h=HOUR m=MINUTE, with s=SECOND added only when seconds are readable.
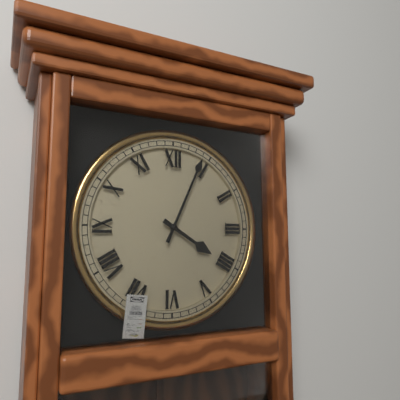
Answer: h=4 m=4
